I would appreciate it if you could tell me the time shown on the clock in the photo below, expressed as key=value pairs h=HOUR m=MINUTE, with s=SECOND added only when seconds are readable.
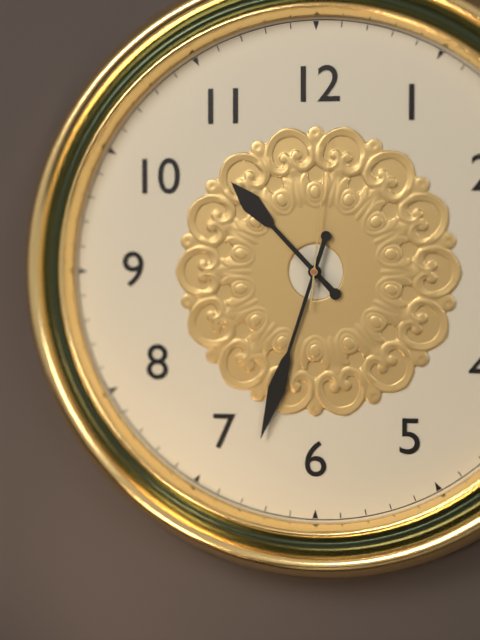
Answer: h=10 m=33 s=1
